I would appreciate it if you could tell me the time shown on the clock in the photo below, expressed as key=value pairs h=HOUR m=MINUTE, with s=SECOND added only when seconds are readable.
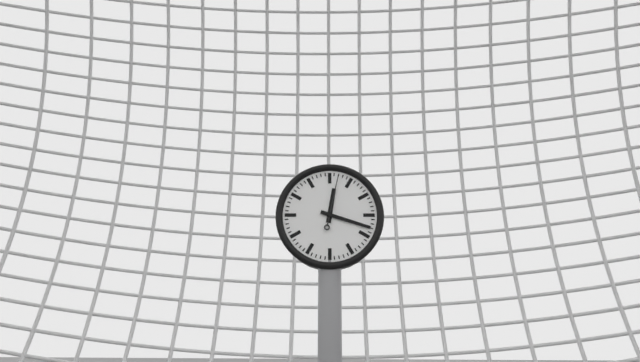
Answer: h=12 m=18
